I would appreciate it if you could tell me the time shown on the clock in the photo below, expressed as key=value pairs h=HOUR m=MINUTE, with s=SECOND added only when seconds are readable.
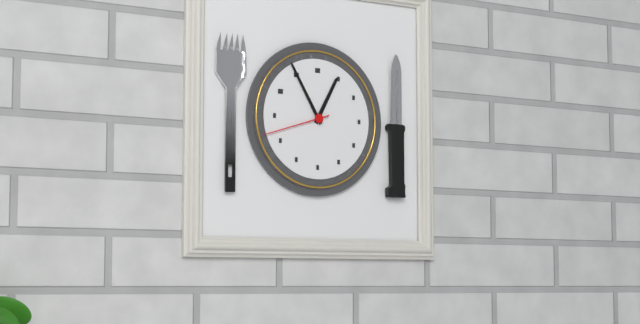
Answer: h=12 m=55 s=42
